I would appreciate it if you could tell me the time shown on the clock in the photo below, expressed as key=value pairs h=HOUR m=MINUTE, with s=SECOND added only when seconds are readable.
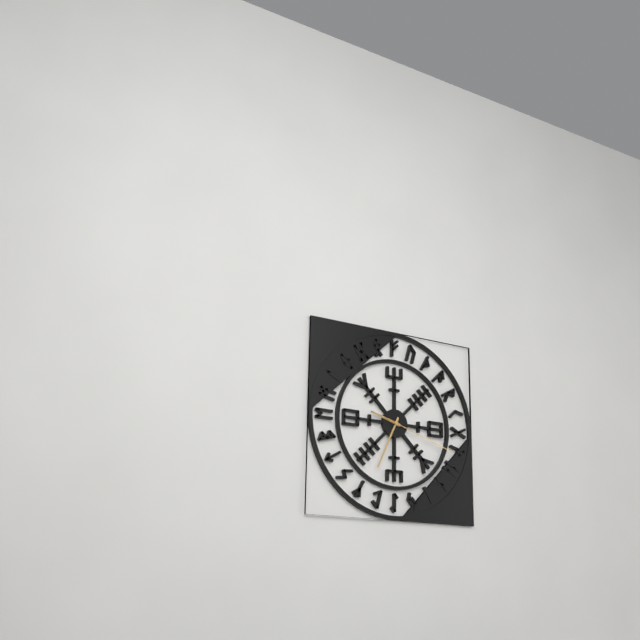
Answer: h=9 m=34 s=18
